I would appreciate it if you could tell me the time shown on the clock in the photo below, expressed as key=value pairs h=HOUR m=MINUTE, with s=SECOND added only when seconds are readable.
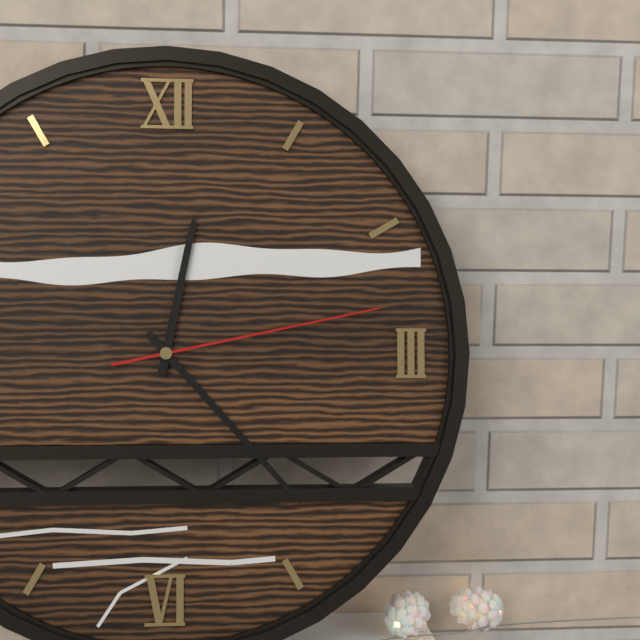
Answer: h=12 m=23 s=13
